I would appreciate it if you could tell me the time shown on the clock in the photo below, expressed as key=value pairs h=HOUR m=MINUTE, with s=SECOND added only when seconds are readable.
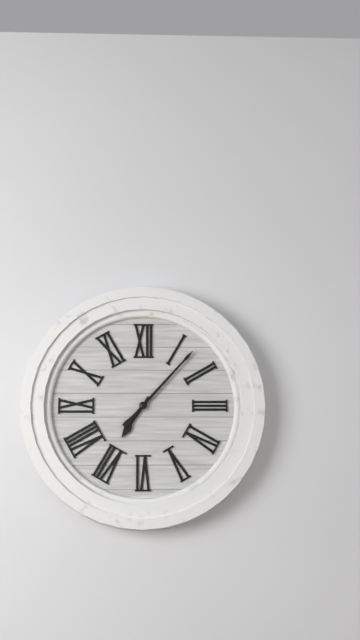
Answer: h=7 m=7
